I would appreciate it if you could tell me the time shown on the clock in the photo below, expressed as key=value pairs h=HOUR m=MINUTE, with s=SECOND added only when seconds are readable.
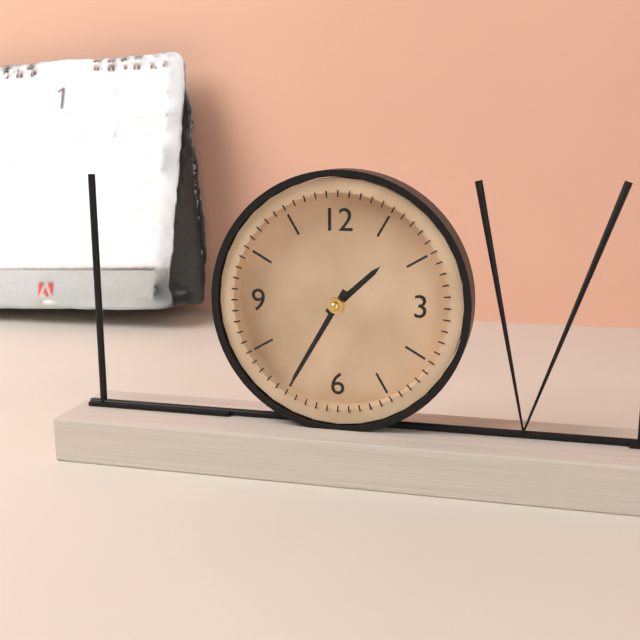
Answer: h=1 m=35
